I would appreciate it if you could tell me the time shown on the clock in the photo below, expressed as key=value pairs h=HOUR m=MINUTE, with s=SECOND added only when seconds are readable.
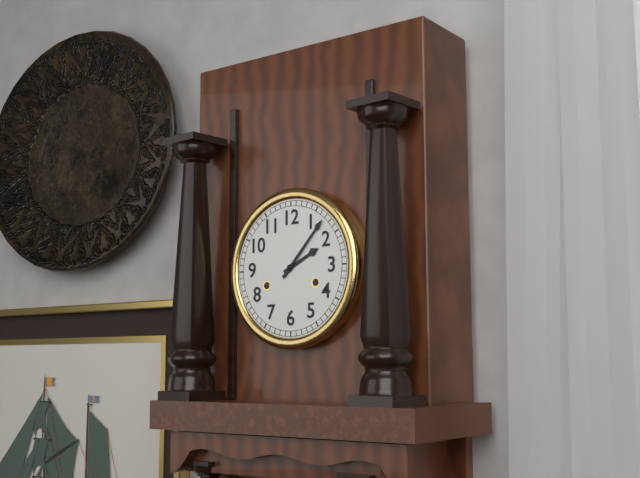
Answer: h=2 m=7
